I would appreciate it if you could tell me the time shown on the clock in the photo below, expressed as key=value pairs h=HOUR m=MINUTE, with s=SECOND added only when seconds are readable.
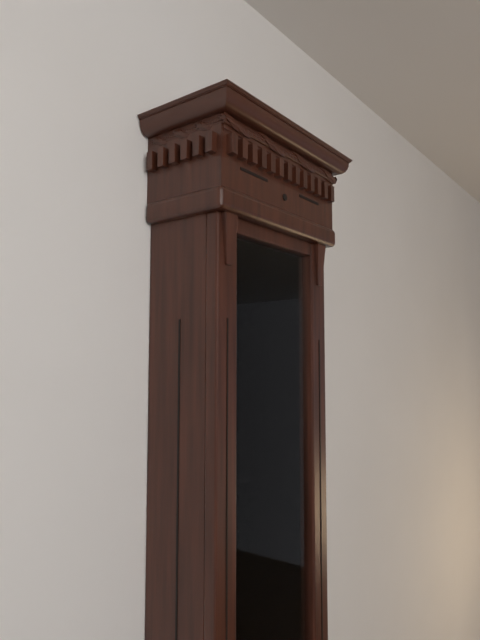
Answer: h=2 m=24
